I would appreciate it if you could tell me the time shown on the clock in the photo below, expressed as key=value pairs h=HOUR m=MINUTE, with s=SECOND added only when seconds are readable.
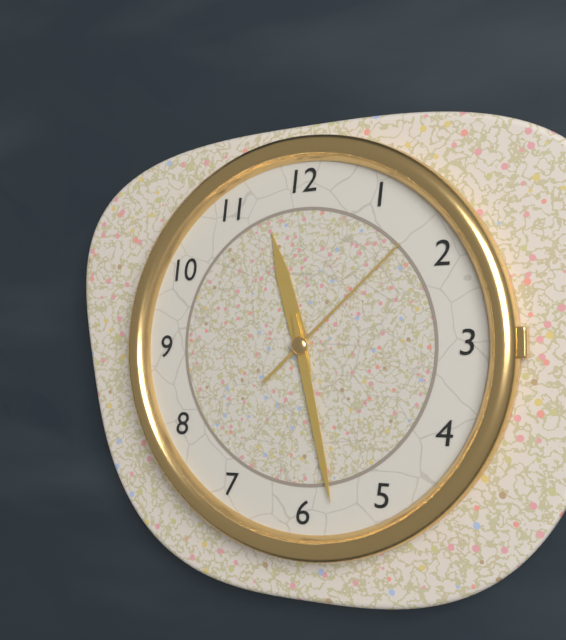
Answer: h=11 m=28 s=8
